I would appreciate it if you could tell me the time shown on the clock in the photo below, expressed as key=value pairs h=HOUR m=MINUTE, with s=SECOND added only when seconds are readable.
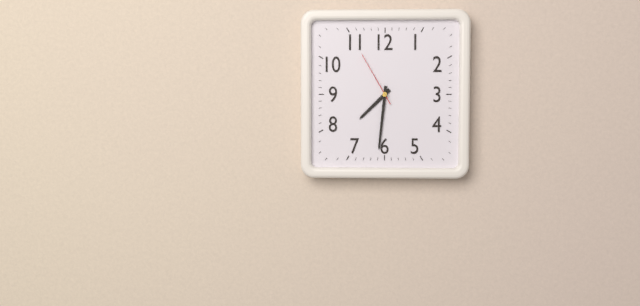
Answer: h=7 m=31 s=55
